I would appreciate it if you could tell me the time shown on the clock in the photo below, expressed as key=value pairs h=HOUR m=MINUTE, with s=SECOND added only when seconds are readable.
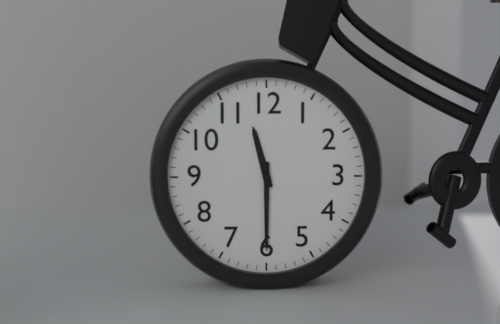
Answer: h=11 m=30
